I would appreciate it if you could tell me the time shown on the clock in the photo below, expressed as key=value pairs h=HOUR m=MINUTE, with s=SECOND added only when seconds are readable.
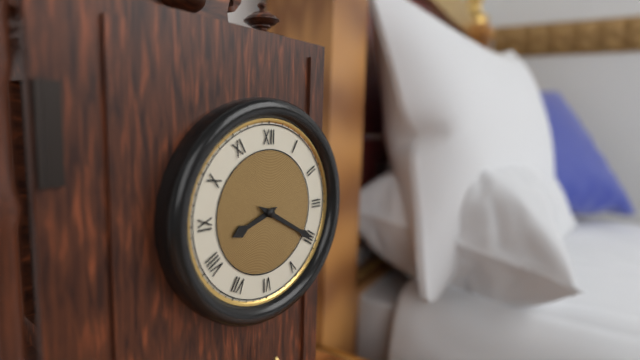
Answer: h=8 m=20
